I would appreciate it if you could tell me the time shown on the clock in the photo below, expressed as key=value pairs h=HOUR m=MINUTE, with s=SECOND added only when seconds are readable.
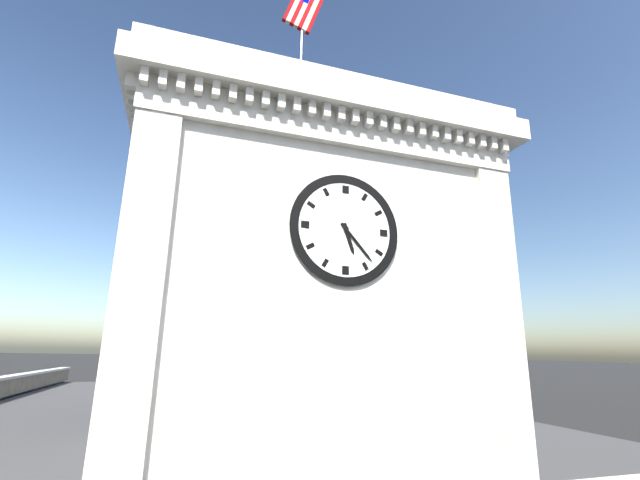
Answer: h=5 m=23
